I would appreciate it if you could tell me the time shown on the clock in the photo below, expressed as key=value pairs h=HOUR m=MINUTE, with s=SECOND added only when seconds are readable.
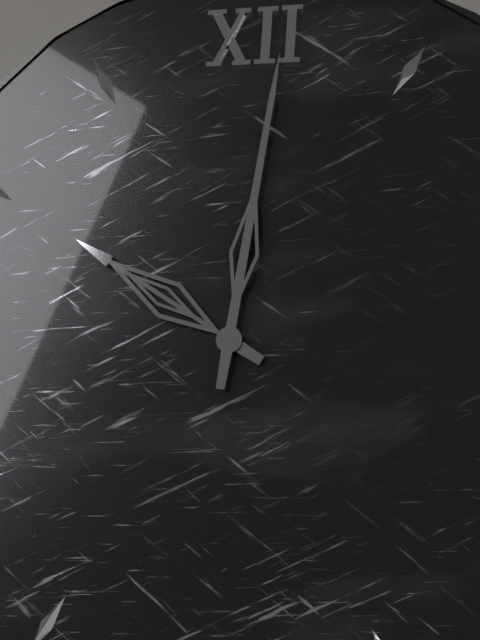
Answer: h=10 m=1
